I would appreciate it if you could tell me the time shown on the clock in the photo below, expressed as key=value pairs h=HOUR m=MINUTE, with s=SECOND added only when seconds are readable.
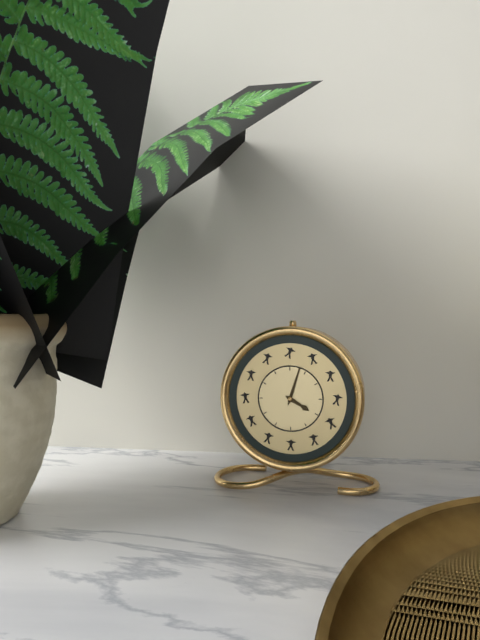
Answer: h=4 m=3
